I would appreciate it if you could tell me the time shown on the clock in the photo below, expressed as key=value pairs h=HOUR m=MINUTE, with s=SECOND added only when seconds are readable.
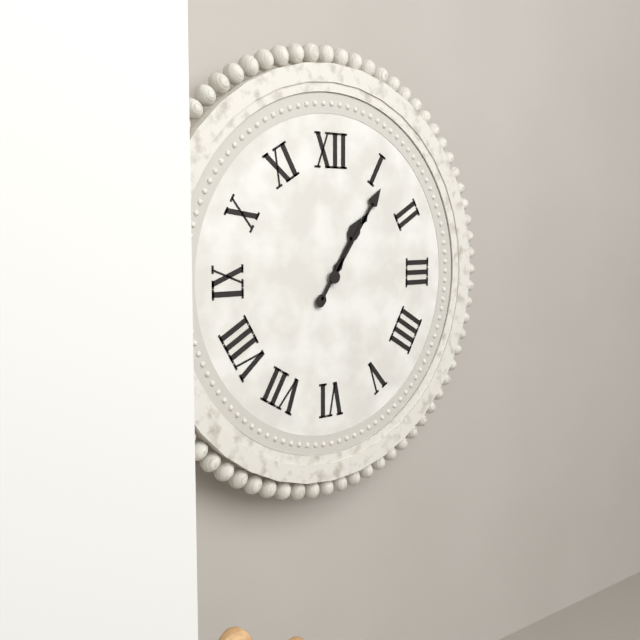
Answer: h=1 m=6
